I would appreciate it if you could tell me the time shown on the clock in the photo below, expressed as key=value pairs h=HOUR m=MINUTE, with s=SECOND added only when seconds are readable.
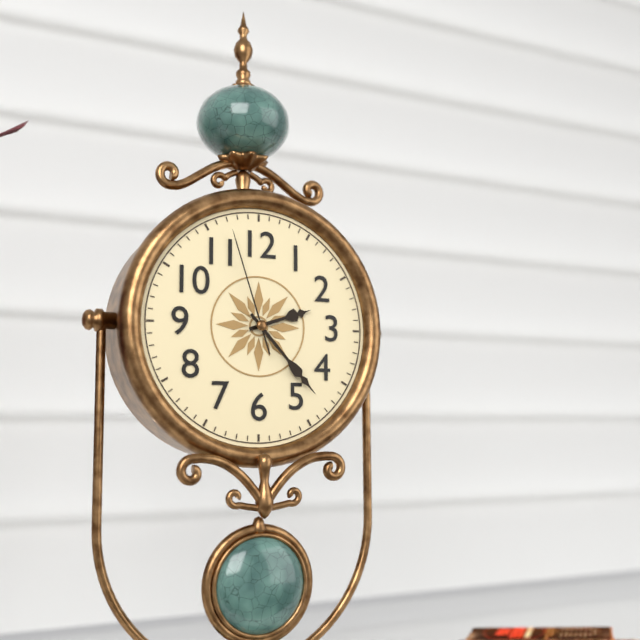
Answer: h=2 m=23 s=57
